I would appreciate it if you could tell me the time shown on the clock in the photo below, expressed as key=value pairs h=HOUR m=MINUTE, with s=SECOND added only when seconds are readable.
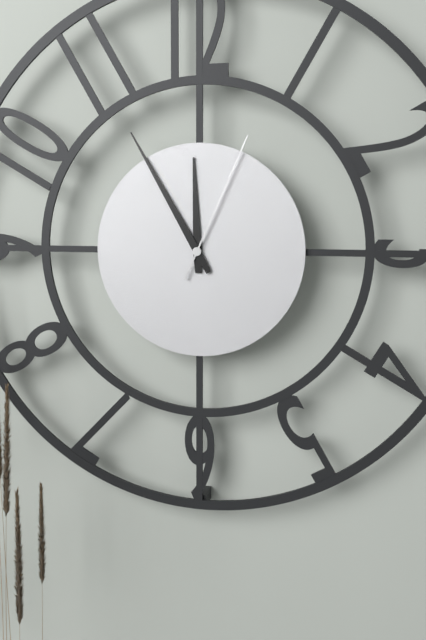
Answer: h=11 m=55 s=4
